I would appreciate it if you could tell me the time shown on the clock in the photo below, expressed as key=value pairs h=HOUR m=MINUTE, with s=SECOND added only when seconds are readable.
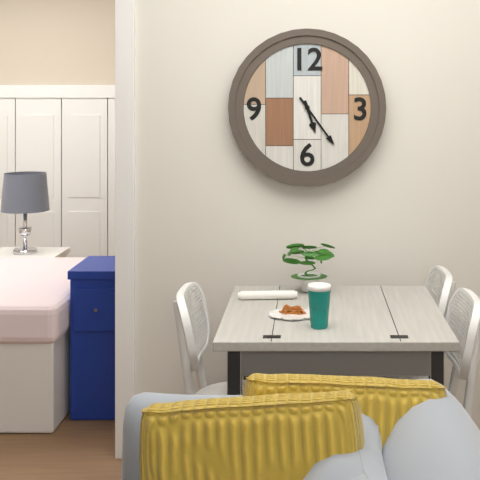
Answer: h=5 m=24
